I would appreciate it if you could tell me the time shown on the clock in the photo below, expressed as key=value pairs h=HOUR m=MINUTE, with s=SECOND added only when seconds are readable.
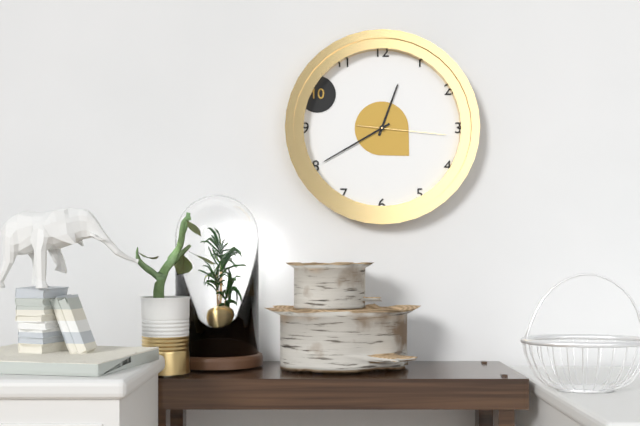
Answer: h=12 m=40 s=16
